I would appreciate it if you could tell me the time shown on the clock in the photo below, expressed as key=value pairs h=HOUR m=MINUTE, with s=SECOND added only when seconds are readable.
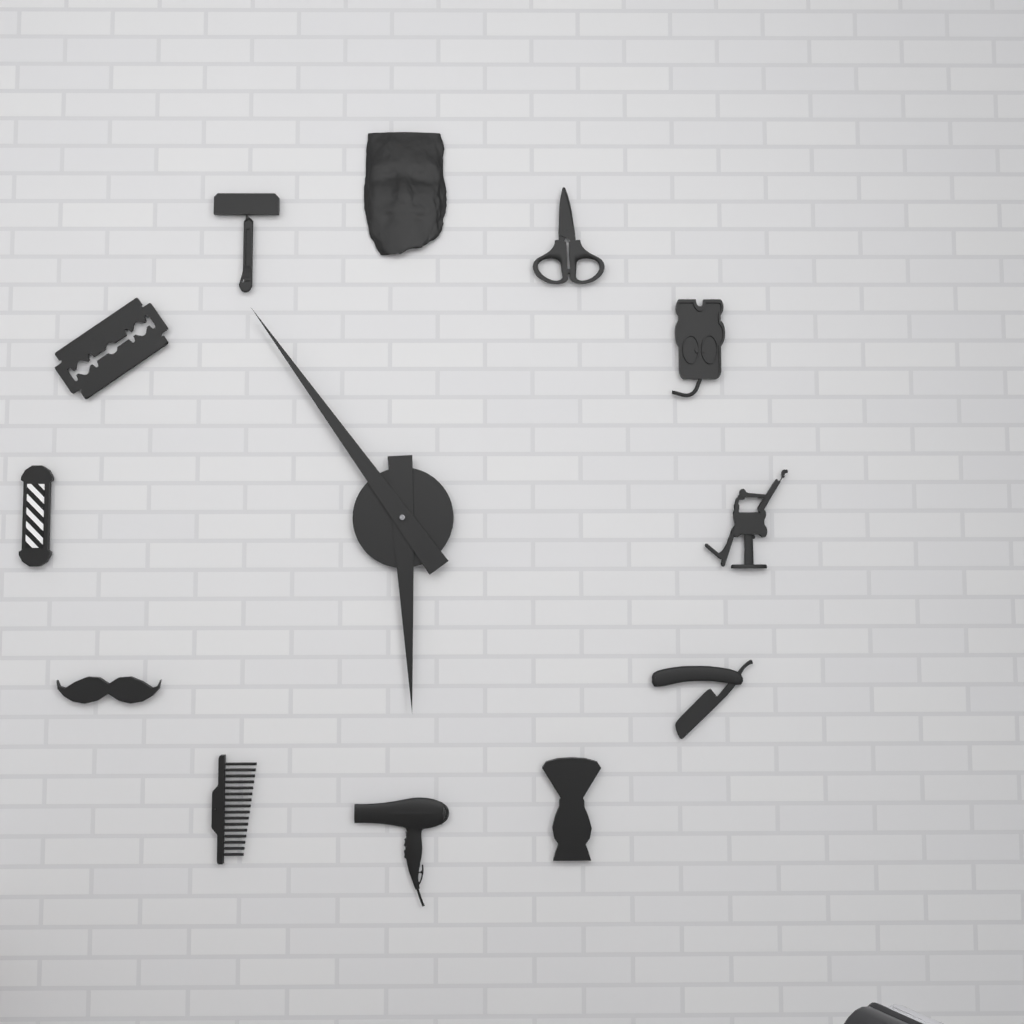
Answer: h=5 m=54
